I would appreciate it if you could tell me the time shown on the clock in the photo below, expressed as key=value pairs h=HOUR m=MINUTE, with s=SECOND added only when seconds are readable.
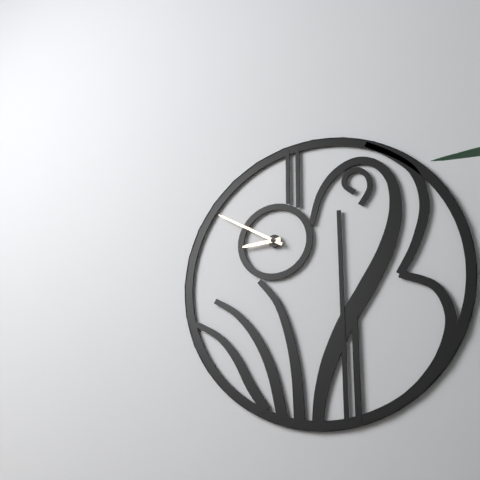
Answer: h=8 m=50
